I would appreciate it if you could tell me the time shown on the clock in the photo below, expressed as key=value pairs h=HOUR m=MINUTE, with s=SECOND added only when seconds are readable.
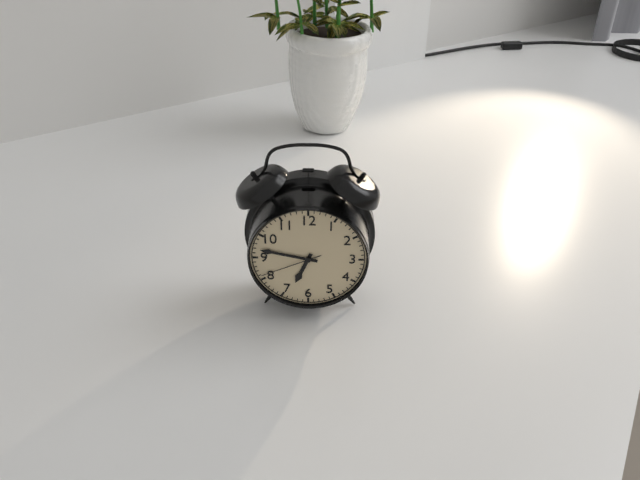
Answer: h=6 m=47 s=41
